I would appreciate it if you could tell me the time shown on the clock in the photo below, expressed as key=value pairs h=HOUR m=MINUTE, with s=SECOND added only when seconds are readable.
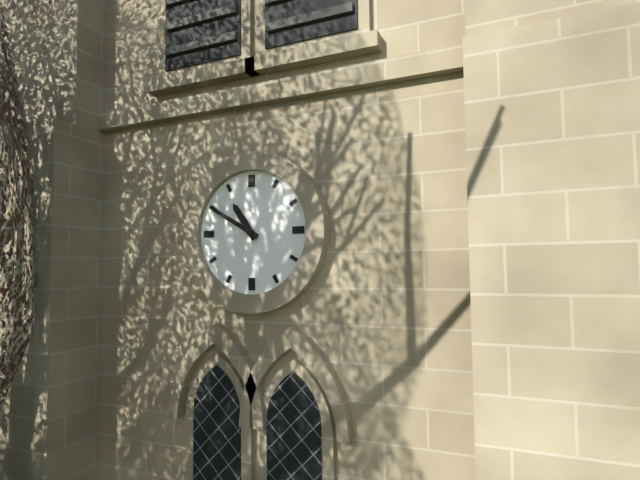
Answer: h=10 m=50
